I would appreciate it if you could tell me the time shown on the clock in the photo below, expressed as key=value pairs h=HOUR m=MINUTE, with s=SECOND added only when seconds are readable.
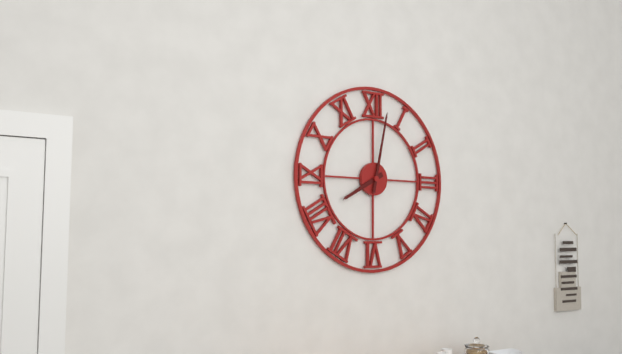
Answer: h=8 m=2
